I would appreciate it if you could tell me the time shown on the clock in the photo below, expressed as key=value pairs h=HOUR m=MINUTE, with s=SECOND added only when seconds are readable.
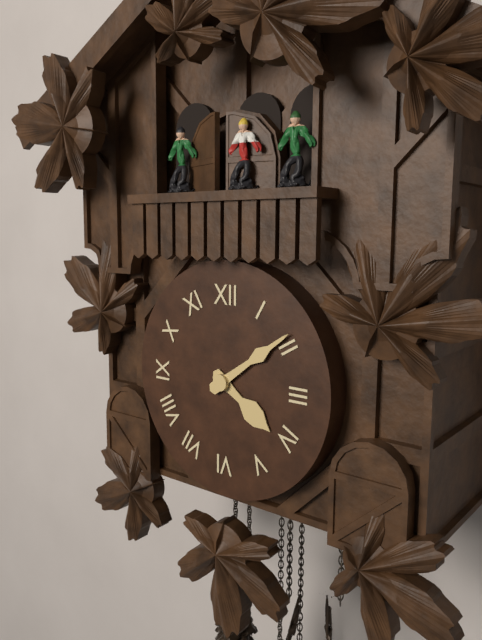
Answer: h=4 m=9
